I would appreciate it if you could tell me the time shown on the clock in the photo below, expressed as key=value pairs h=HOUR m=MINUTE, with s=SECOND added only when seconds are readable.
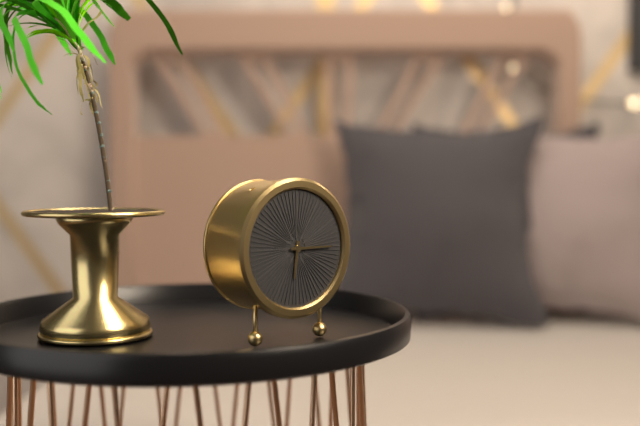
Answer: h=6 m=15
